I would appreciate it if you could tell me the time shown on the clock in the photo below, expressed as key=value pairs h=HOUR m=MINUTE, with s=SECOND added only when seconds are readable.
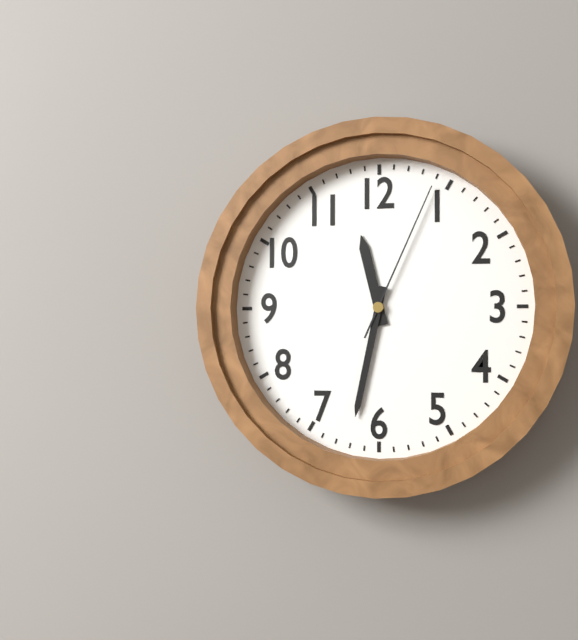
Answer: h=11 m=32 s=4
